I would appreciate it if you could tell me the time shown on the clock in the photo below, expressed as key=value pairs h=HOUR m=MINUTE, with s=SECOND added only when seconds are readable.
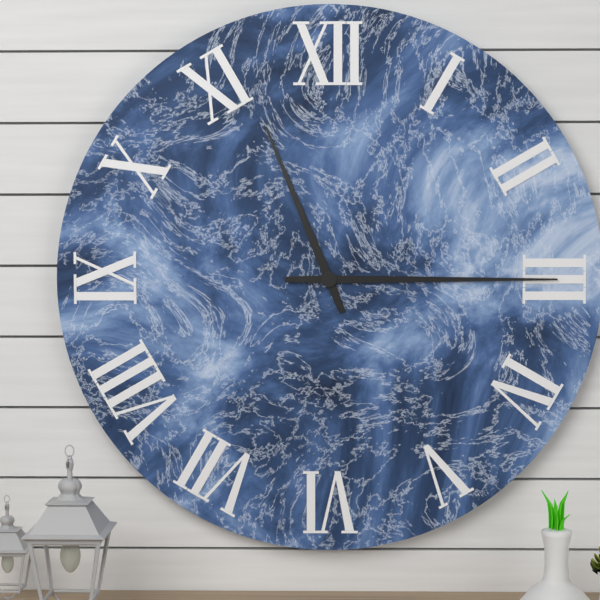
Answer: h=11 m=15
